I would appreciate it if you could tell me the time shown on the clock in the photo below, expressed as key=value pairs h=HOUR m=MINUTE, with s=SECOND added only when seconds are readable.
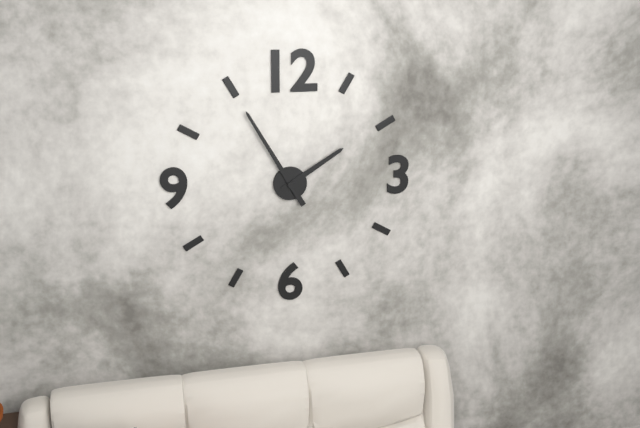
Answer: h=1 m=55
